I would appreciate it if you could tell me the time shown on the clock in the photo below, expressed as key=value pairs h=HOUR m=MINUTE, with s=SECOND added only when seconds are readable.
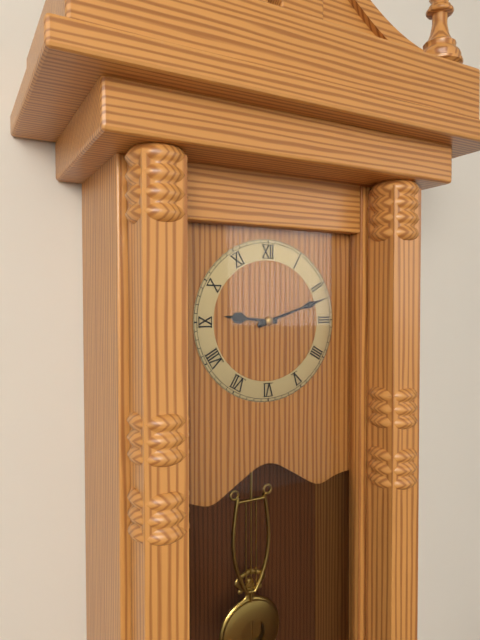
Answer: h=9 m=12
